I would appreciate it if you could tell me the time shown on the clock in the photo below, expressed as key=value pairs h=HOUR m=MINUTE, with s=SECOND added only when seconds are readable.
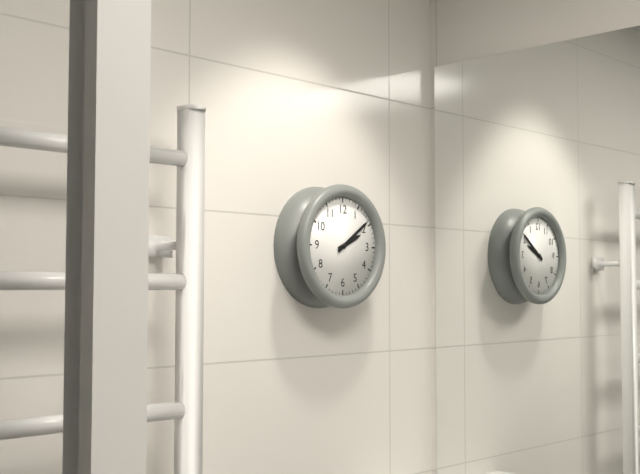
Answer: h=2 m=9
